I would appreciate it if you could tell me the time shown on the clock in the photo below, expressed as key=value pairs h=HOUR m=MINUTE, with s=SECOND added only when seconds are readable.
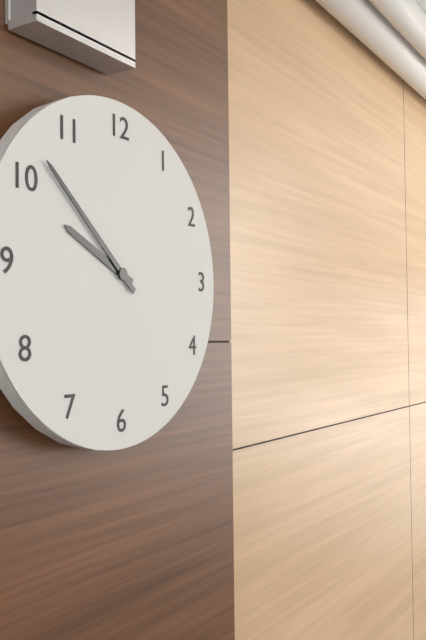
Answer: h=9 m=52
